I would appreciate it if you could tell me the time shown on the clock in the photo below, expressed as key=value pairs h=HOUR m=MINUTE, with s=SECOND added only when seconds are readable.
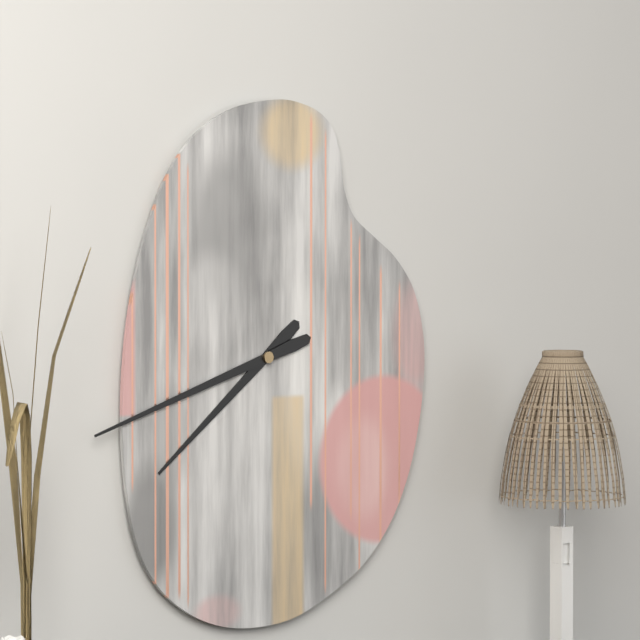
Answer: h=7 m=42
